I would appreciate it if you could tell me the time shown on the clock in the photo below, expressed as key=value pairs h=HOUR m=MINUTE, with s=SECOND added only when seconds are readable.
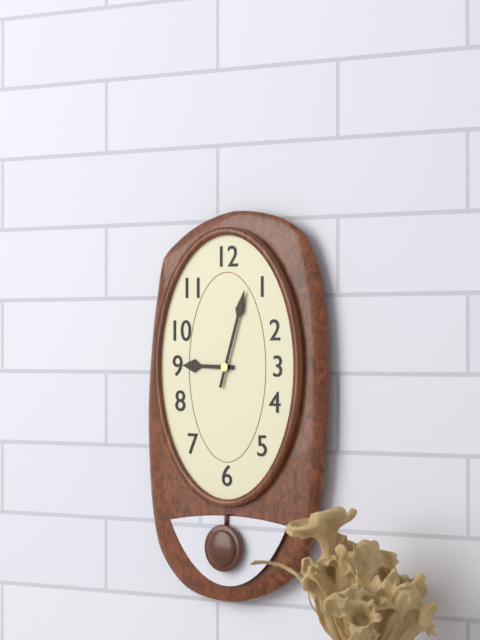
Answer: h=9 m=3
